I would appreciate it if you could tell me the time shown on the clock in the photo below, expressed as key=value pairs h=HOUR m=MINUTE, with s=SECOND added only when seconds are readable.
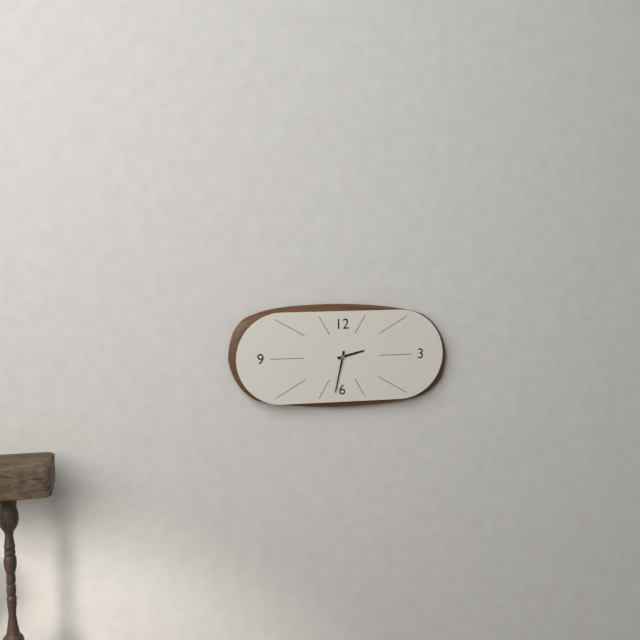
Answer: h=2 m=32
